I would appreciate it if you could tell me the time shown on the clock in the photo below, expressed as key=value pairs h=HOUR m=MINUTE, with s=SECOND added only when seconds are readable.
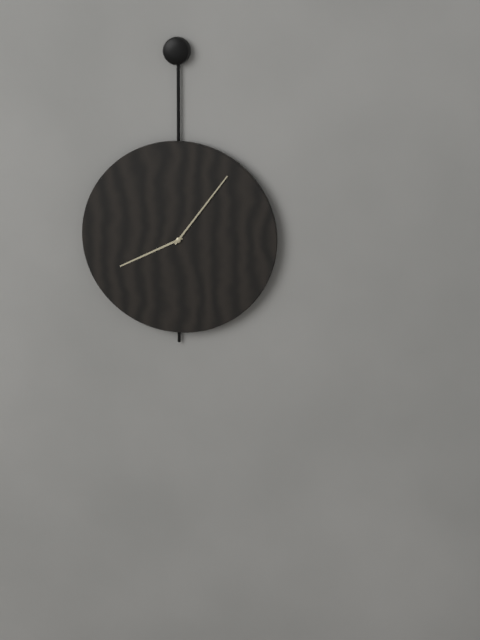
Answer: h=8 m=6
